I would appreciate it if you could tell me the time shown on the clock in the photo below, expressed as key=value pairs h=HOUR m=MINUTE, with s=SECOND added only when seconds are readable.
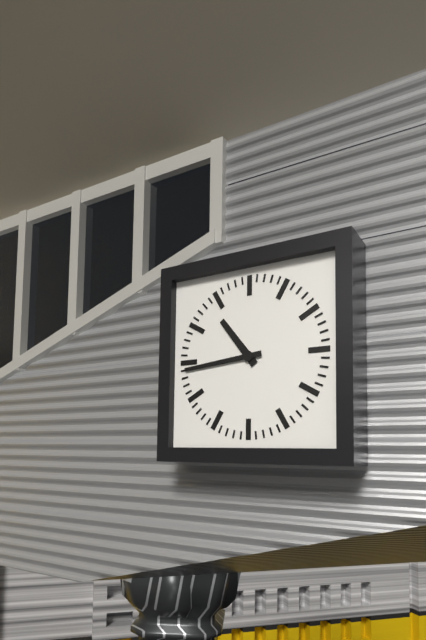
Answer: h=10 m=44
